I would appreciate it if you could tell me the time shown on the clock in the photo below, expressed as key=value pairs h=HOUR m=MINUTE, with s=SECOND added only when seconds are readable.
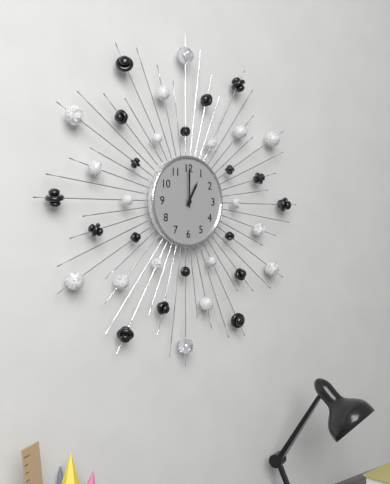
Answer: h=1 m=0
